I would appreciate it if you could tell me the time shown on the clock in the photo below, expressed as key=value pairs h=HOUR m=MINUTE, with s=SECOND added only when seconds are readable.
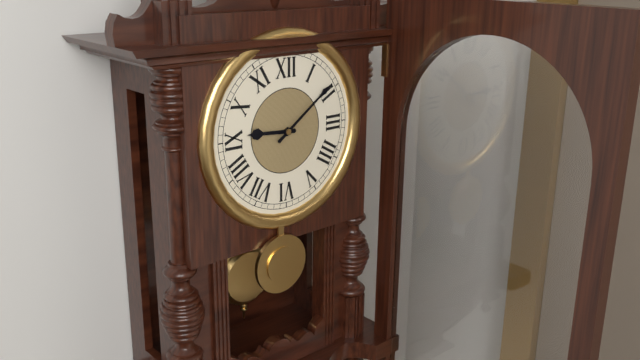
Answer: h=9 m=9
